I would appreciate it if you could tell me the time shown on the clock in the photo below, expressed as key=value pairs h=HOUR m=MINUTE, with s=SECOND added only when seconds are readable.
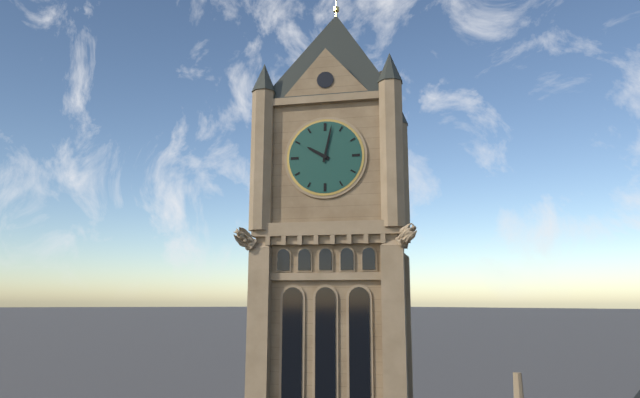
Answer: h=10 m=2
